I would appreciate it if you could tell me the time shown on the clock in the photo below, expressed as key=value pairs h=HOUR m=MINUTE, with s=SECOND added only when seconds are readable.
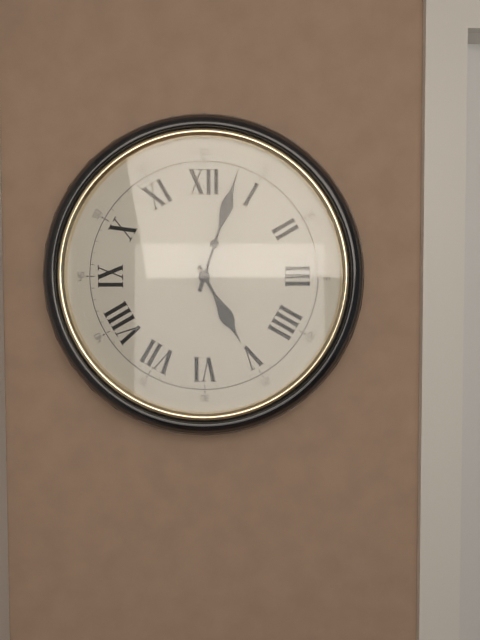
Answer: h=5 m=3
